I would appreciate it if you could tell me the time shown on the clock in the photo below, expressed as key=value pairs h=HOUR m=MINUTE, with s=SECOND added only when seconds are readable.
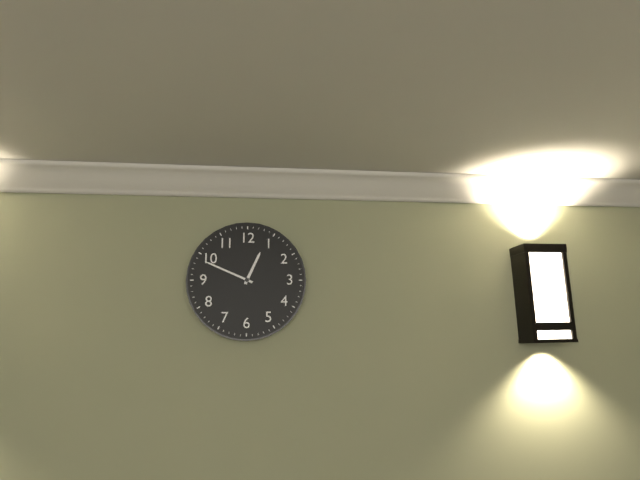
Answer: h=12 m=49
